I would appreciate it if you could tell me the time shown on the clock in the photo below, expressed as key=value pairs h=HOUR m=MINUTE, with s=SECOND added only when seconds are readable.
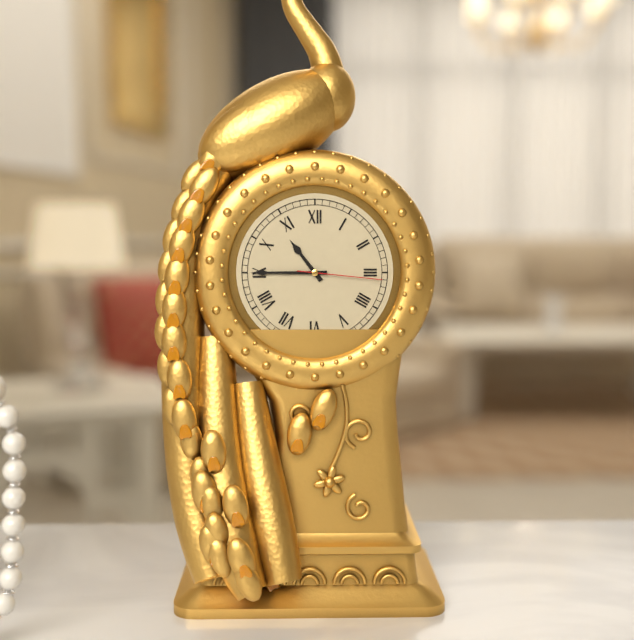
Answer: h=10 m=45 s=16
